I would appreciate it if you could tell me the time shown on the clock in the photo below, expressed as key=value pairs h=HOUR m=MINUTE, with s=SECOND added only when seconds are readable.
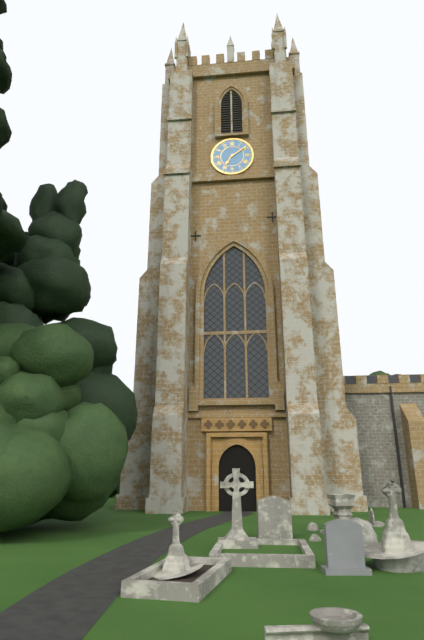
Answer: h=7 m=9
